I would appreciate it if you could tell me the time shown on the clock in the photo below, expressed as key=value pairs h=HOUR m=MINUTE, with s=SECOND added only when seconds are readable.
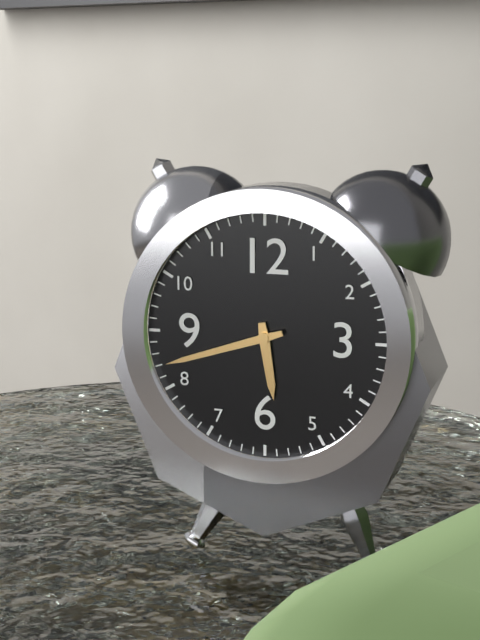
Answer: h=5 m=42
